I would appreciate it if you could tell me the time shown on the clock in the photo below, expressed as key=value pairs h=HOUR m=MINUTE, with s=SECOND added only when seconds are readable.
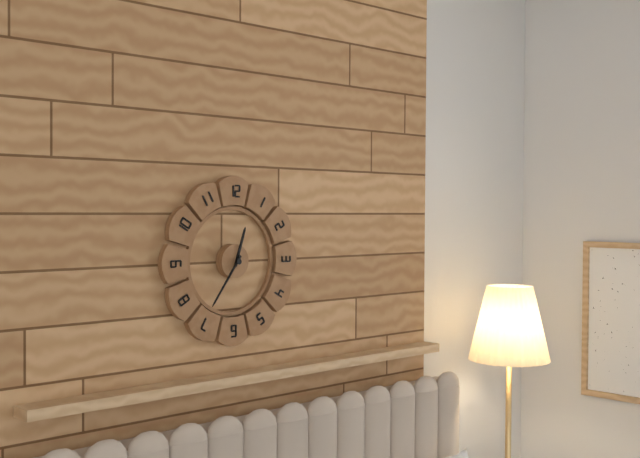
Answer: h=12 m=36
